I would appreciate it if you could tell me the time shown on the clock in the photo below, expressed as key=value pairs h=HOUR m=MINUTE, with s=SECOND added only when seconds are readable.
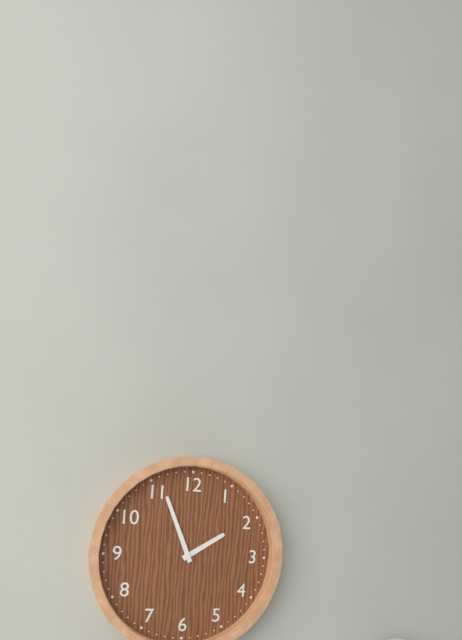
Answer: h=1 m=56
